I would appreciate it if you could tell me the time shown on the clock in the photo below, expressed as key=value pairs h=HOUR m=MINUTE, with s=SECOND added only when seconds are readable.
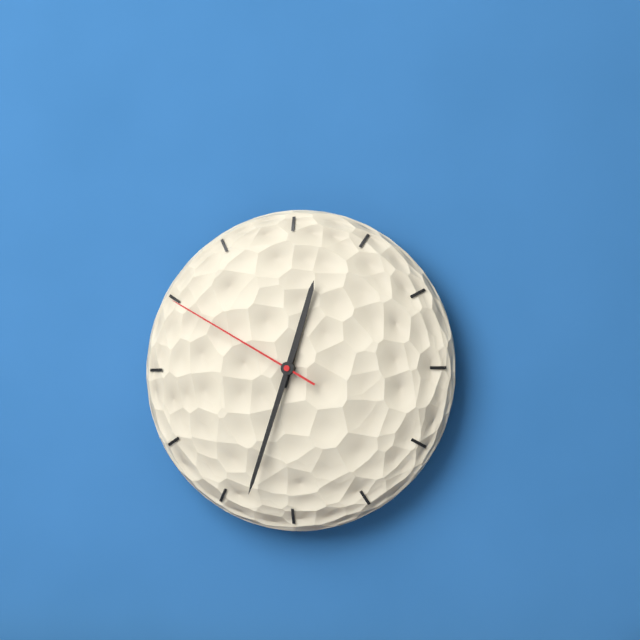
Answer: h=12 m=33 s=50
